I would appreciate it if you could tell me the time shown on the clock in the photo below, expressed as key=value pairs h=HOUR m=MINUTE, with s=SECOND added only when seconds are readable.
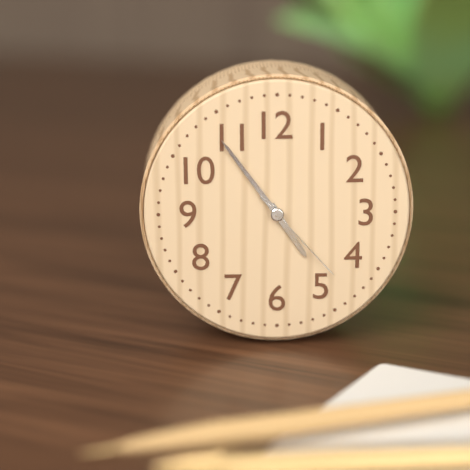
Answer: h=4 m=54 s=23
